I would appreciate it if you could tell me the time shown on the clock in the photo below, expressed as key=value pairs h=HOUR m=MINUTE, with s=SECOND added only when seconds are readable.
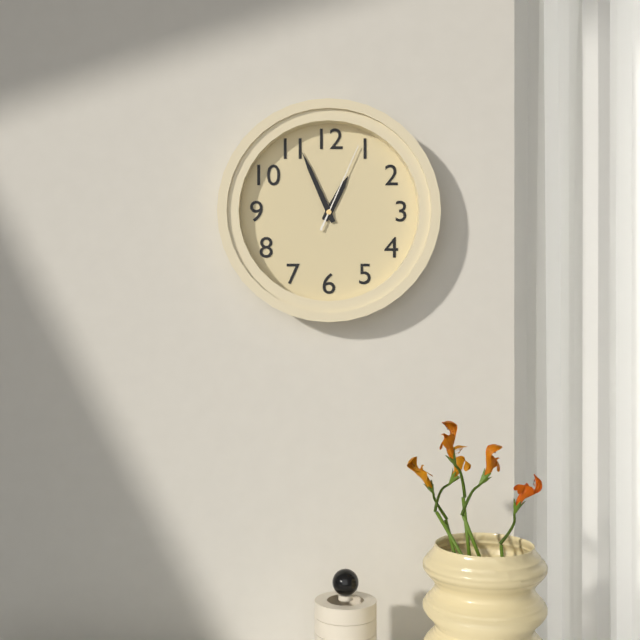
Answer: h=12 m=56 s=4
